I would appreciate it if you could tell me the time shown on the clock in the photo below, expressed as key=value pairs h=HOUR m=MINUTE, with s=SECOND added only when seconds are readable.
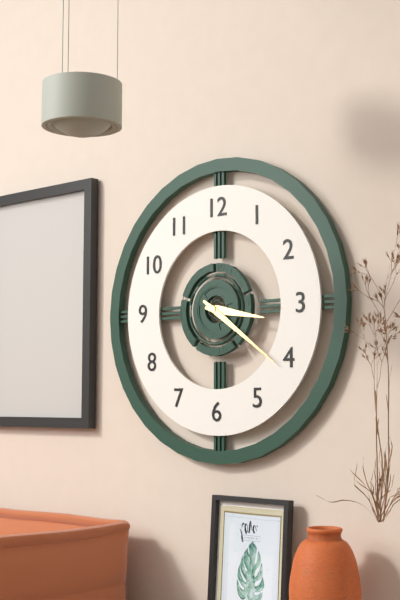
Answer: h=3 m=21
